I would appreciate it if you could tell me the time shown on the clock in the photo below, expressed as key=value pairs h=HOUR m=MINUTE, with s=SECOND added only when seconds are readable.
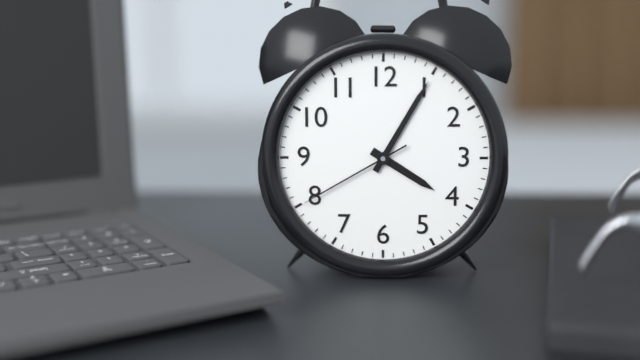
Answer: h=4 m=5 s=40
